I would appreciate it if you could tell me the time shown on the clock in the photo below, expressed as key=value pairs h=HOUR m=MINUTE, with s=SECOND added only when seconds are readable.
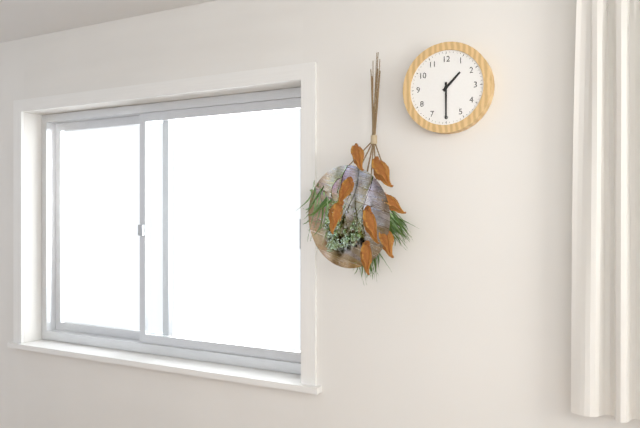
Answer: h=1 m=30
